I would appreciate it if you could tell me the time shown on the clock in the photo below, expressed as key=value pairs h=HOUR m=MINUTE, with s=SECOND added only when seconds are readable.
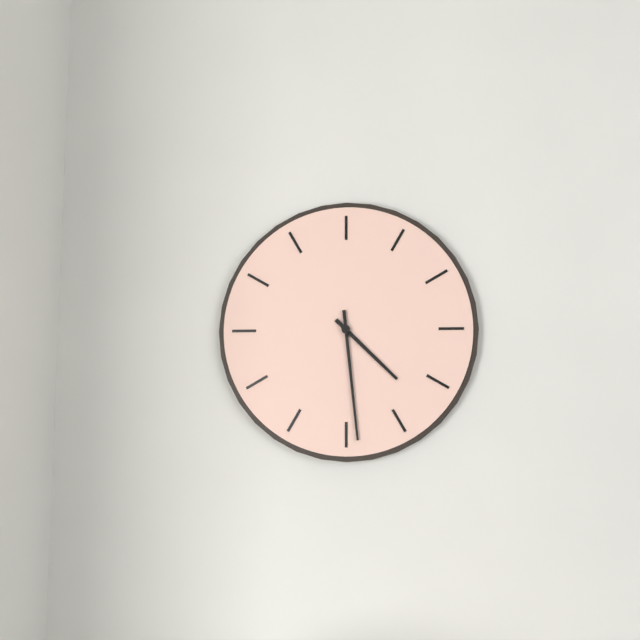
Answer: h=4 m=29
